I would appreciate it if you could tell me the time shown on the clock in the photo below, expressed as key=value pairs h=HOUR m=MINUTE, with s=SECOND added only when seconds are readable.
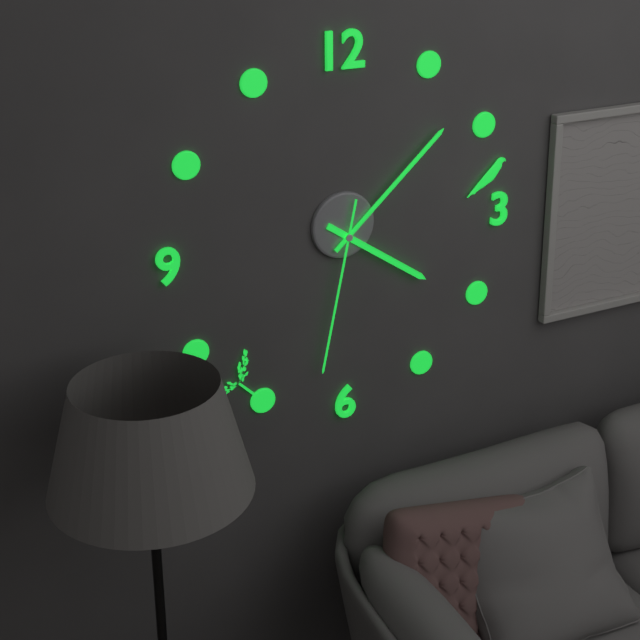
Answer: h=4 m=8 s=32
